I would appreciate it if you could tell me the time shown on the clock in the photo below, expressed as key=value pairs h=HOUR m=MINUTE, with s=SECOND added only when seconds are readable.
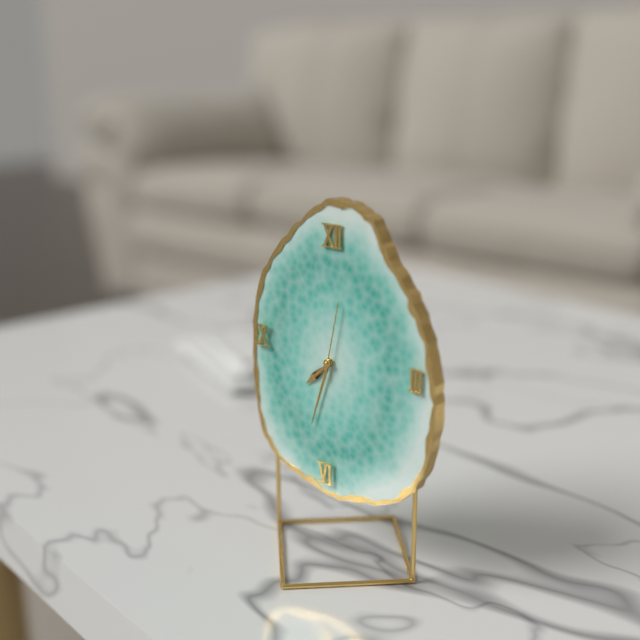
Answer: h=7 m=33 s=2
